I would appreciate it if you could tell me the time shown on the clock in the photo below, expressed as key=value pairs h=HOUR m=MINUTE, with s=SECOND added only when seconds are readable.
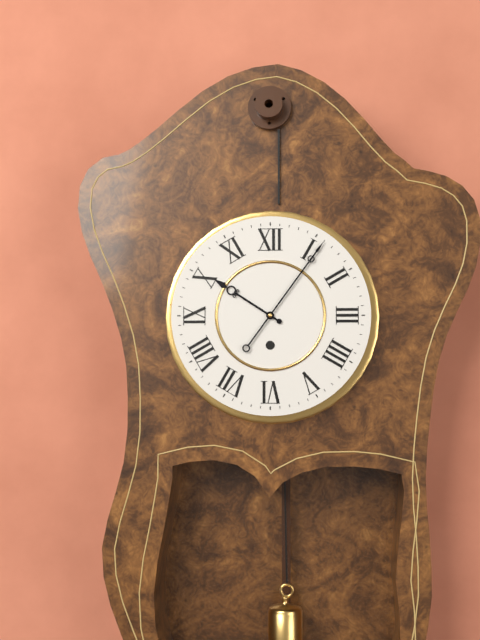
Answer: h=10 m=6
